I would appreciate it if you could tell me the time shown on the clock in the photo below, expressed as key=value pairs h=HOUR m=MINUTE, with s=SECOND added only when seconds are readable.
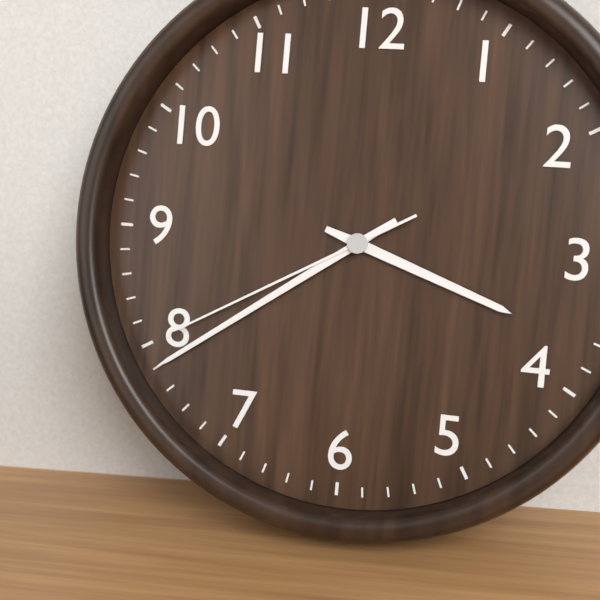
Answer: h=3 m=39 s=40
